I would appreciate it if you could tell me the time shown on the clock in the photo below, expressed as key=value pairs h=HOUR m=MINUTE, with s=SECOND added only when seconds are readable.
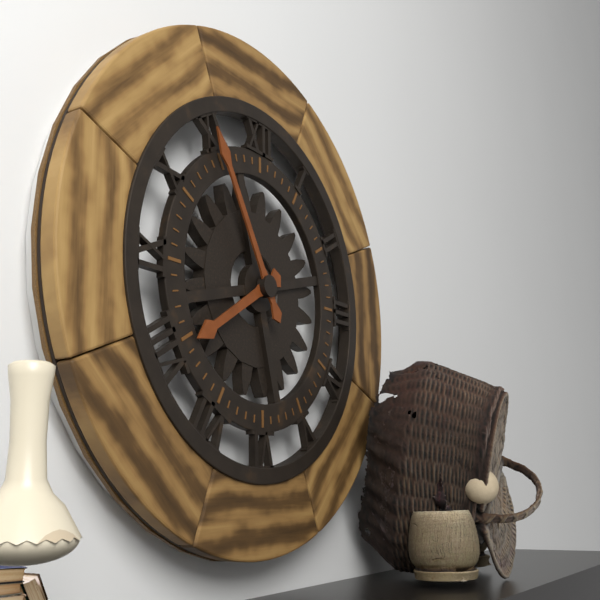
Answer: h=7 m=55
